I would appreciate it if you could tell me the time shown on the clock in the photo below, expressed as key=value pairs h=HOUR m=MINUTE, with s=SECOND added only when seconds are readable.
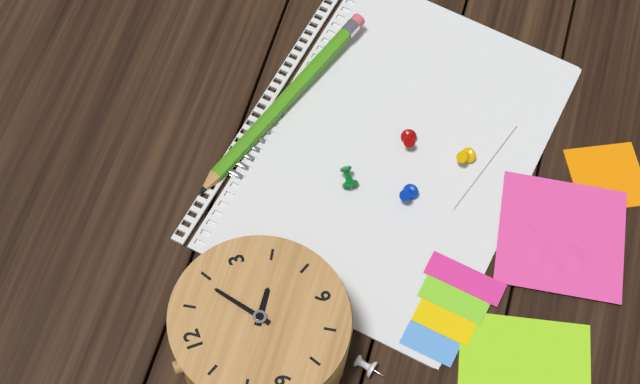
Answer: h=4 m=9
